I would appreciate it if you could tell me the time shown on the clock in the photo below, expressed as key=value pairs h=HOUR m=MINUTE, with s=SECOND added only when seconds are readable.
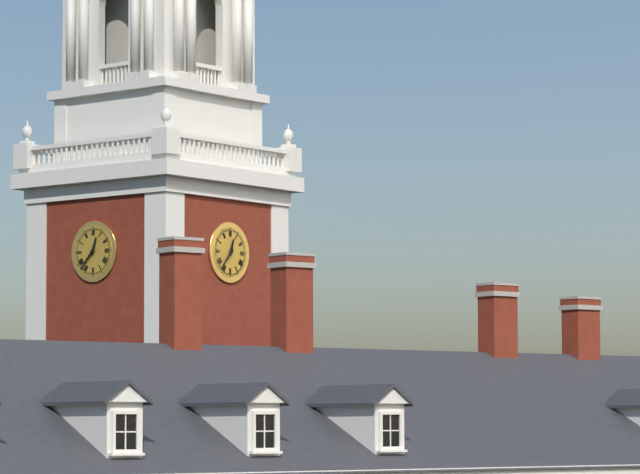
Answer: h=12 m=37
